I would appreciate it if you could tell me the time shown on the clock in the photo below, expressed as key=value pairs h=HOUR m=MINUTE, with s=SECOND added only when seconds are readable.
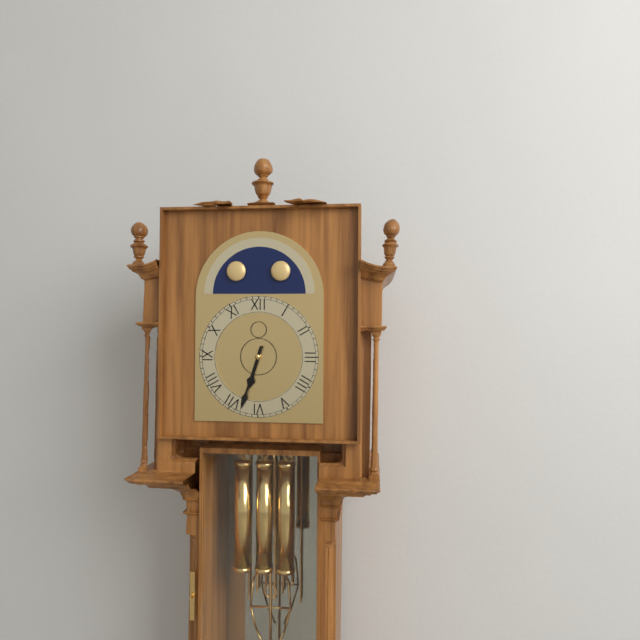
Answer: h=6 m=33
